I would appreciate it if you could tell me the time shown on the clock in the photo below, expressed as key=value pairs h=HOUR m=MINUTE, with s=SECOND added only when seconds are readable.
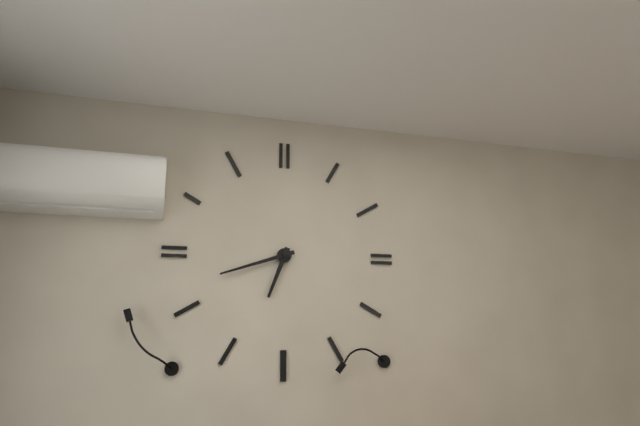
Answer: h=6 m=42
